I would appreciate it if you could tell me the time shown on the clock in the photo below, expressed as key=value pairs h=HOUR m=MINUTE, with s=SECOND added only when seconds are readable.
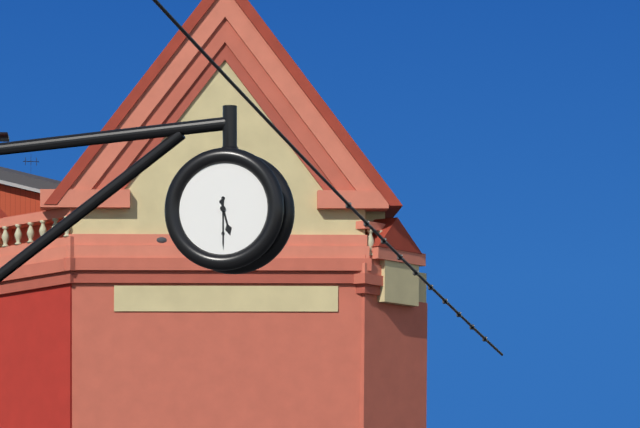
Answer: h=5 m=30
